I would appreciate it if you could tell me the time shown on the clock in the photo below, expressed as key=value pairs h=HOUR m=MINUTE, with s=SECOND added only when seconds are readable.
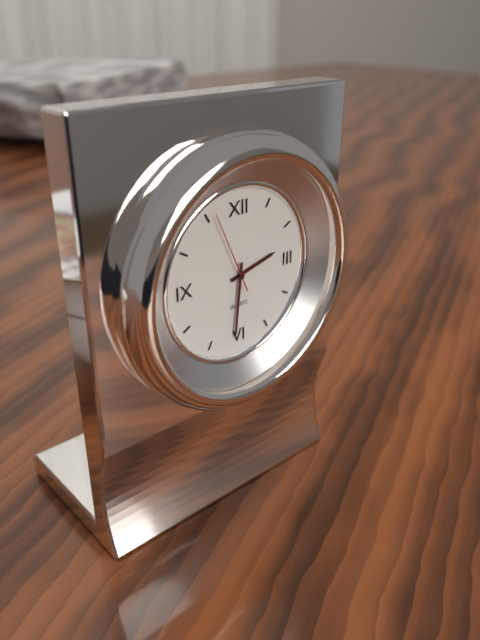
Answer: h=2 m=31 s=56
